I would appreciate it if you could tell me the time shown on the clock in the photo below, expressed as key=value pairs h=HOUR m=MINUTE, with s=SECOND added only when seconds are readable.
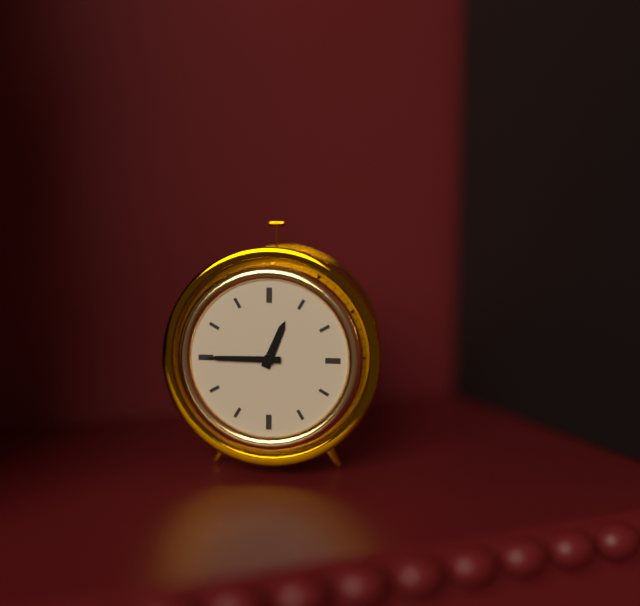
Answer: h=12 m=45
